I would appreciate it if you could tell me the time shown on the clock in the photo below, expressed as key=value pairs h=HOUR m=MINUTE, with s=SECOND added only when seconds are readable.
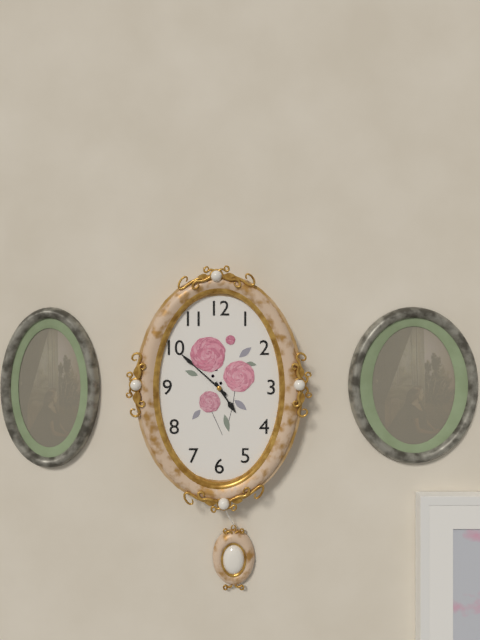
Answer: h=4 m=52
